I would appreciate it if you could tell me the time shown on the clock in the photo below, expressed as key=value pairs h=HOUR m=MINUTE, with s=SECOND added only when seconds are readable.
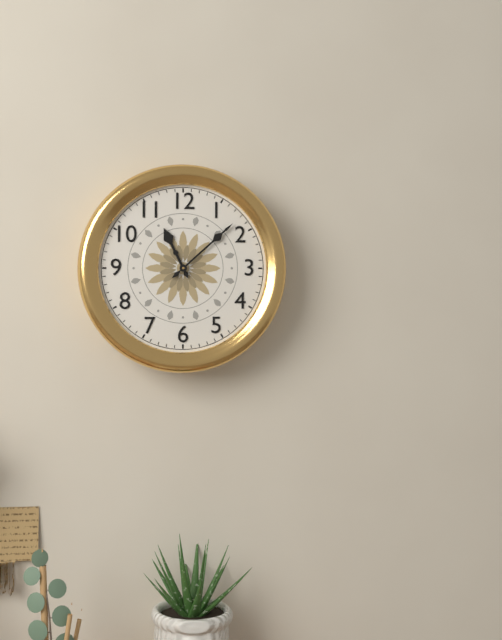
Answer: h=11 m=8
